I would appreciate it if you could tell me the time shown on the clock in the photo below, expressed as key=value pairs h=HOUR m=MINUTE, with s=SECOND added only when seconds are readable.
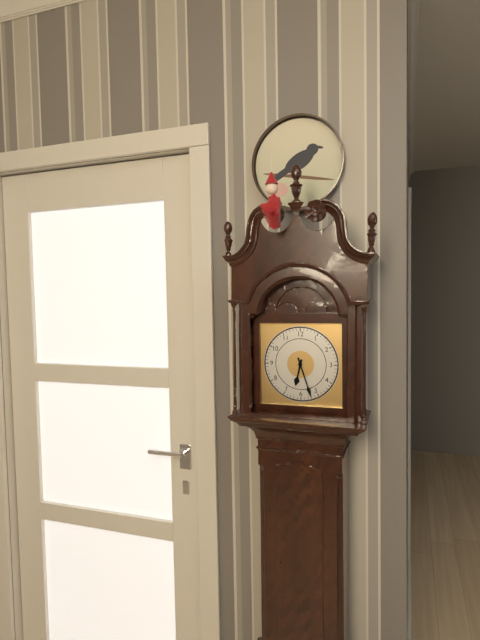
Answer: h=6 m=27
